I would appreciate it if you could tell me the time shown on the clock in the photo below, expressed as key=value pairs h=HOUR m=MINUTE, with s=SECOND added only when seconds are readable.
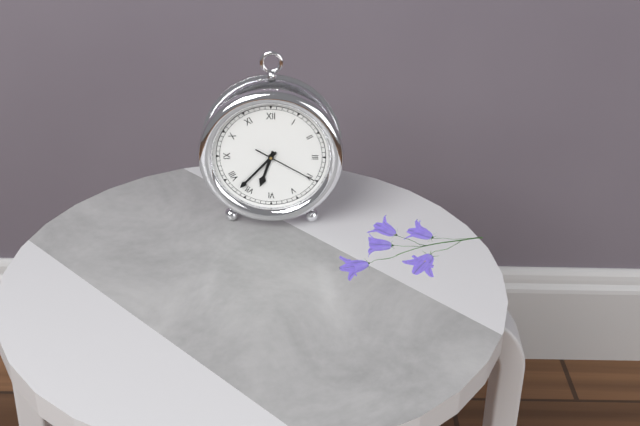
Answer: h=6 m=37 s=20
